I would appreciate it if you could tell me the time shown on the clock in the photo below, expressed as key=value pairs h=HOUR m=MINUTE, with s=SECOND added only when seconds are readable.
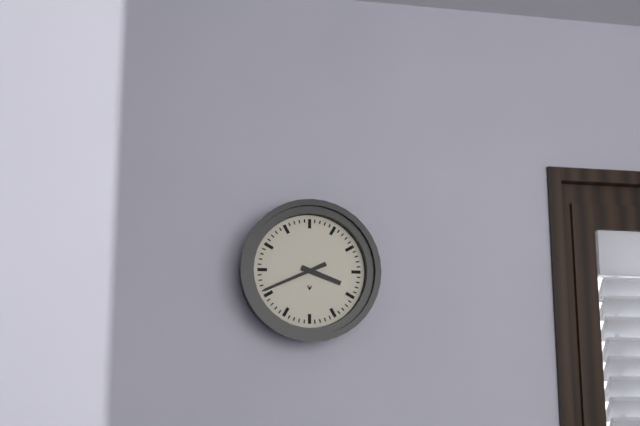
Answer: h=3 m=41
